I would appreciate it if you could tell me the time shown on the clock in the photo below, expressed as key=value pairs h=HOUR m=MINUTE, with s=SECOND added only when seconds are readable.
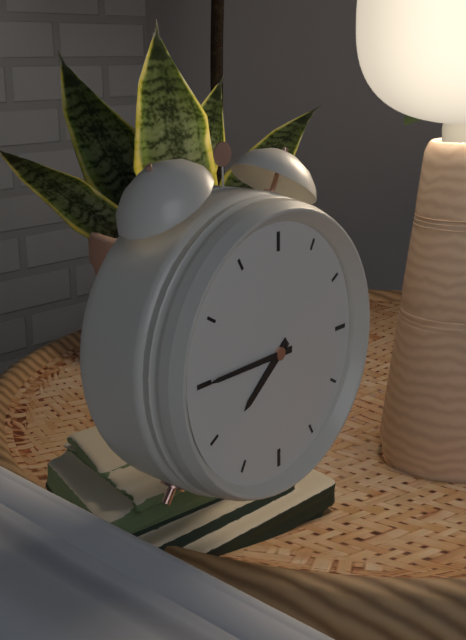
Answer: h=7 m=45
